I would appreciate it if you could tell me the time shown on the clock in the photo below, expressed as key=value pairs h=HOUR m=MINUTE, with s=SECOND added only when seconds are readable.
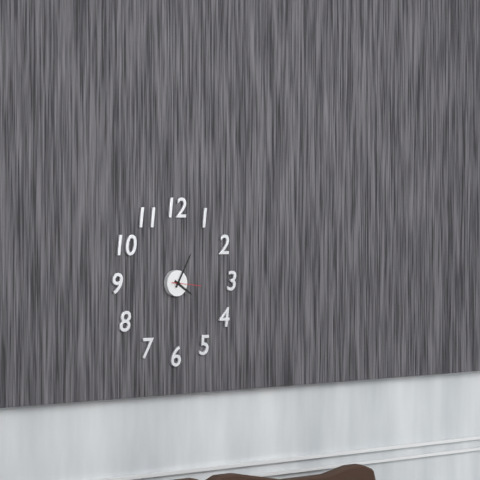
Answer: h=4 m=5
